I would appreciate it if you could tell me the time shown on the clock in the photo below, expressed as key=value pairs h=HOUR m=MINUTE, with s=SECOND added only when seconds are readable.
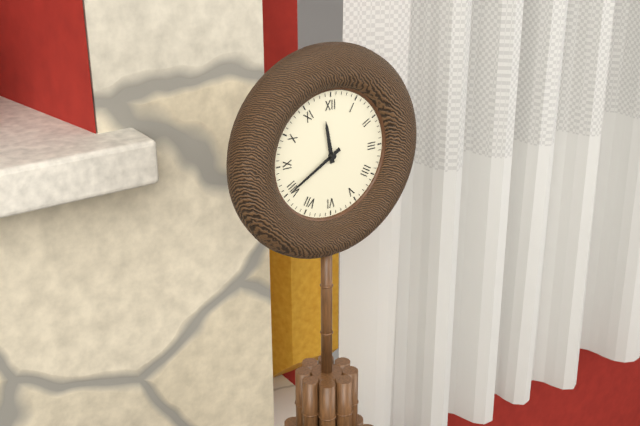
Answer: h=11 m=40
